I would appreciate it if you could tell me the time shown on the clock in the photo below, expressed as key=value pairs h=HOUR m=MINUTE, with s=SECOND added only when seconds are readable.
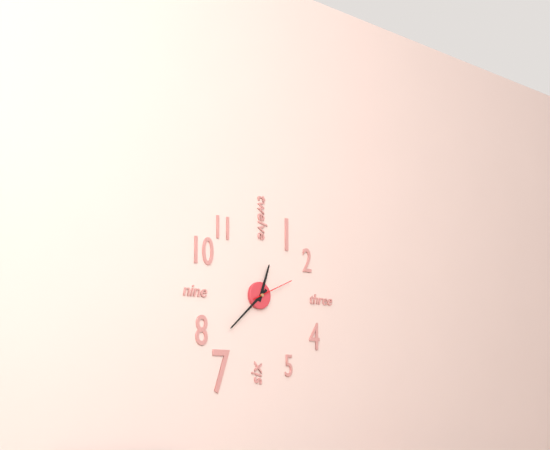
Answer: h=12 m=38
